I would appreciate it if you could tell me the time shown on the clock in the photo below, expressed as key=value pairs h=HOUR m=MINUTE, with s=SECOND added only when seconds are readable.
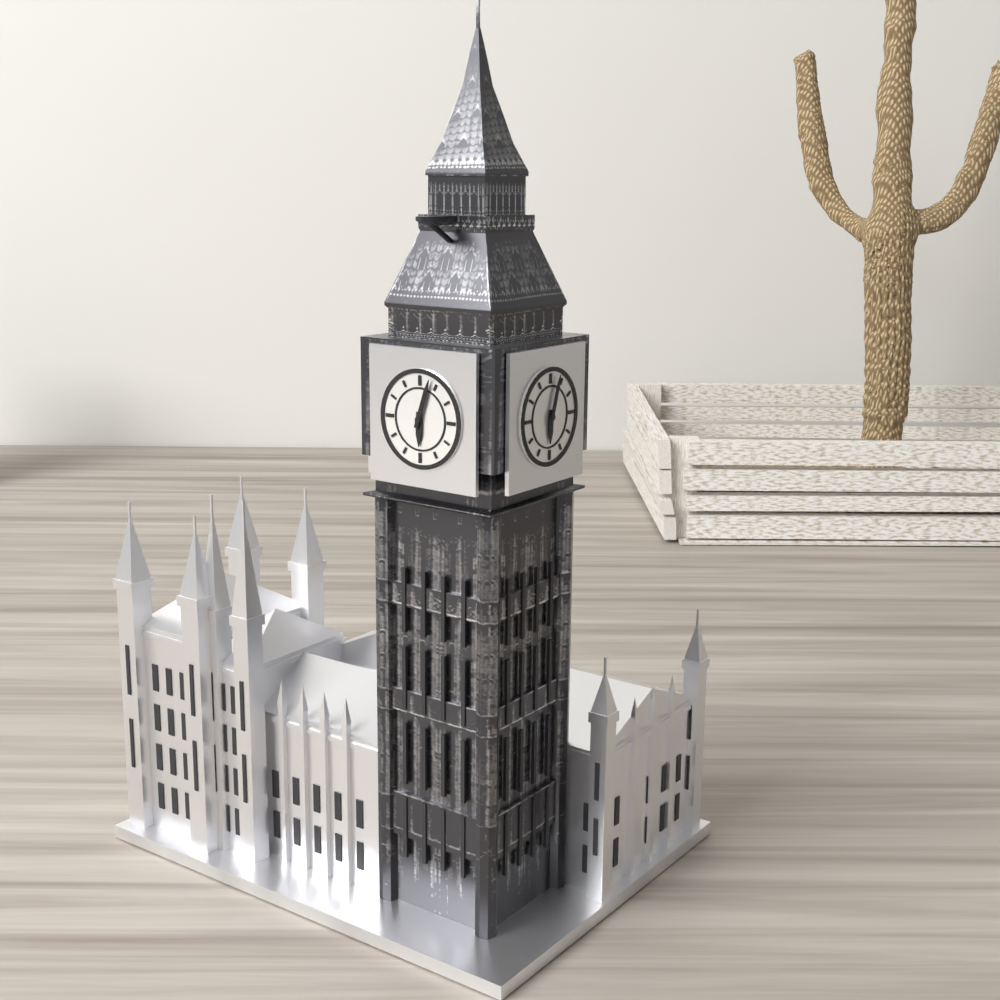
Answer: h=6 m=3
